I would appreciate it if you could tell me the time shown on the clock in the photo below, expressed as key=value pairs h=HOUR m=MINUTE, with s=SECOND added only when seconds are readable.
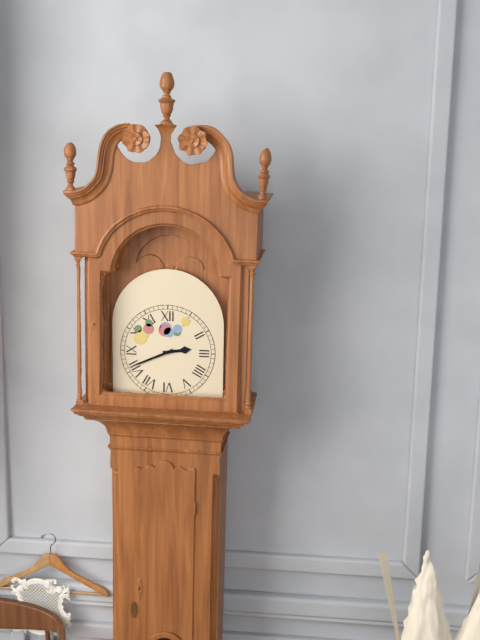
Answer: h=2 m=41
